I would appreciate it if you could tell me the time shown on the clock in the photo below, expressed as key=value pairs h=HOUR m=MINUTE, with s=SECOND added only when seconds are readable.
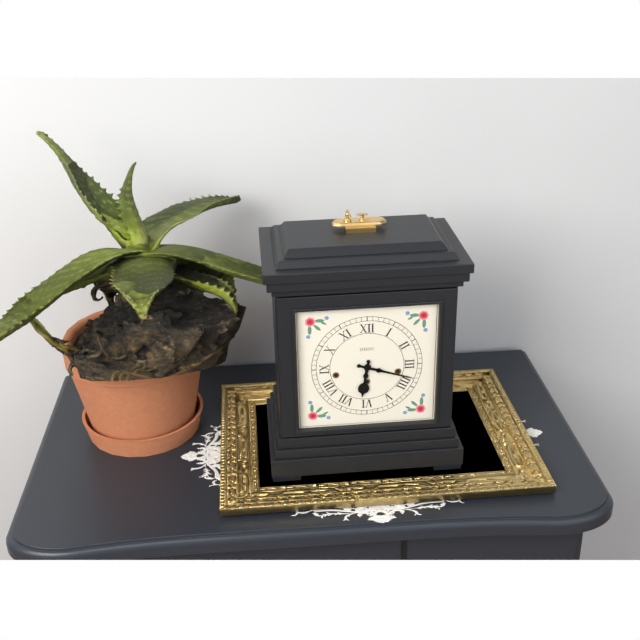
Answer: h=6 m=18
